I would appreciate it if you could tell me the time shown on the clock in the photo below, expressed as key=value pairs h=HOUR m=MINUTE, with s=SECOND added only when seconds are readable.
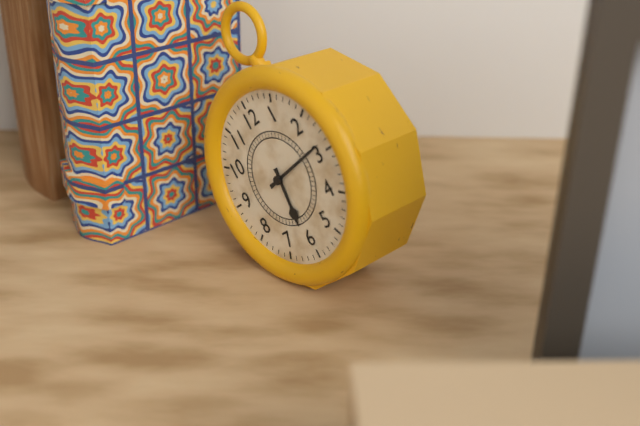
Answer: h=6 m=14
